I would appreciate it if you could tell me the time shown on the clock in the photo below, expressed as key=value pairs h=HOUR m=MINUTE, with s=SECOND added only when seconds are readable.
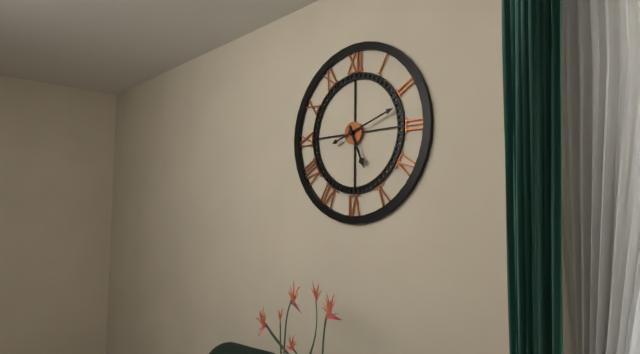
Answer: h=5 m=12
